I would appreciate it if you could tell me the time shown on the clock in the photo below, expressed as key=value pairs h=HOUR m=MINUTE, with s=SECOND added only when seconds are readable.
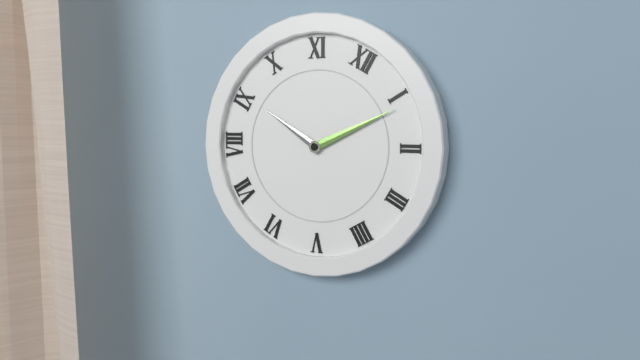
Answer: h=9 m=6
